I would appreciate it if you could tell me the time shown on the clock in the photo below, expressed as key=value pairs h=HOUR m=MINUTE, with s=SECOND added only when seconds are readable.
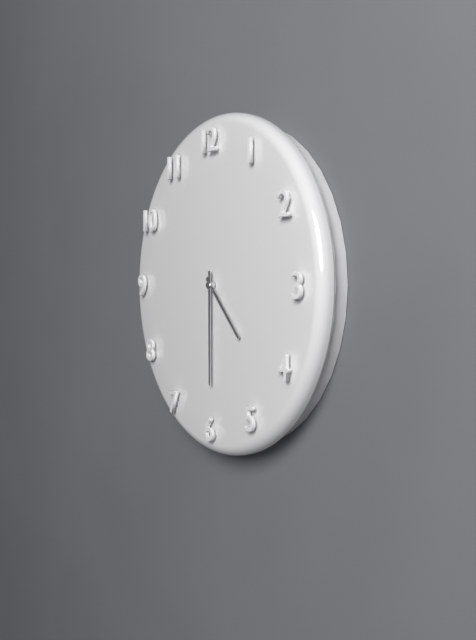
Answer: h=4 m=30
